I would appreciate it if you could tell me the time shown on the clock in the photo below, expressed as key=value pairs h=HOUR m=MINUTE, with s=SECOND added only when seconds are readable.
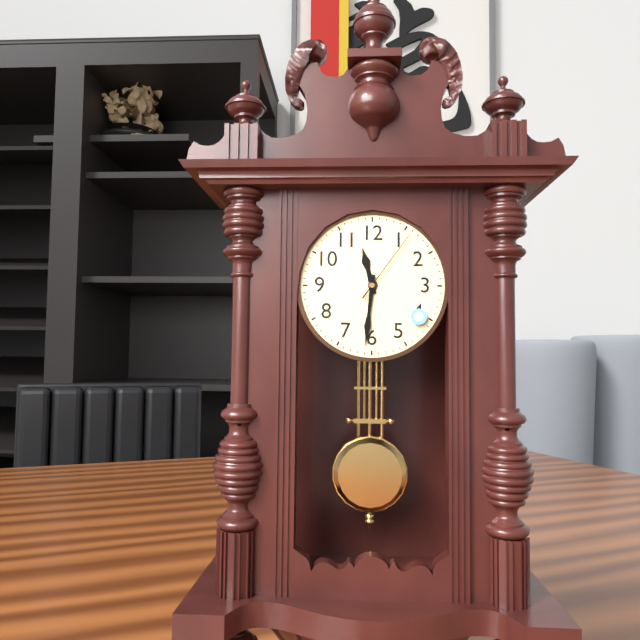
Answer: h=11 m=31 s=6
